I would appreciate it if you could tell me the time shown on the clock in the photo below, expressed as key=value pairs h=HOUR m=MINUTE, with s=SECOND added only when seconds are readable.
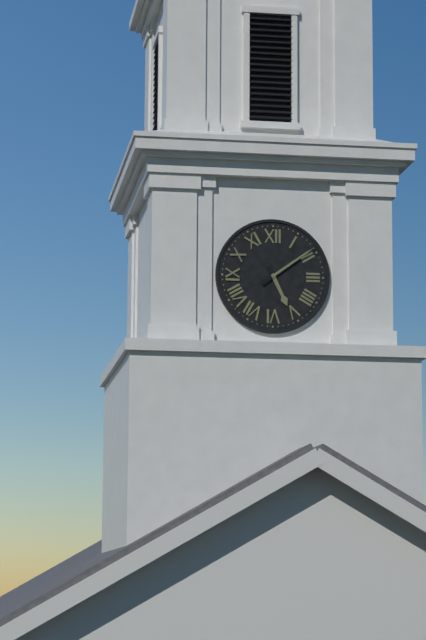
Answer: h=5 m=9
